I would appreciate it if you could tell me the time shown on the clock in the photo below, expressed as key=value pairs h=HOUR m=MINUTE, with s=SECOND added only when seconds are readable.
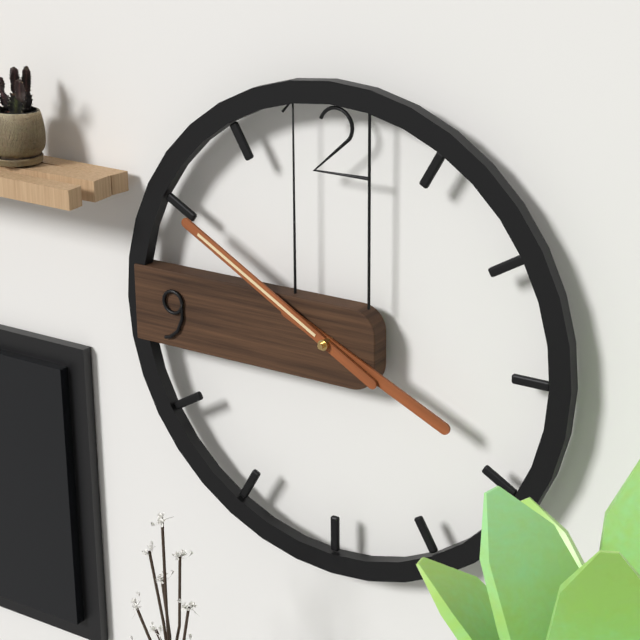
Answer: h=3 m=50
